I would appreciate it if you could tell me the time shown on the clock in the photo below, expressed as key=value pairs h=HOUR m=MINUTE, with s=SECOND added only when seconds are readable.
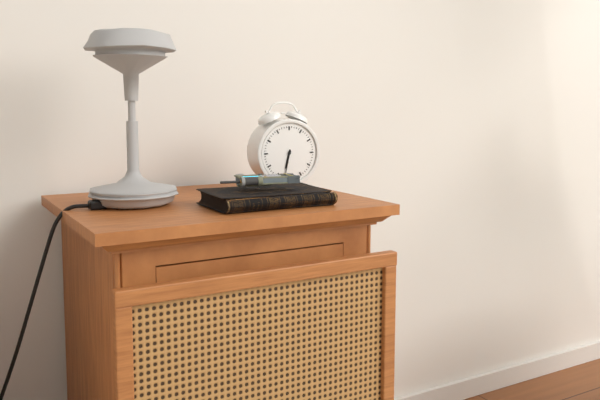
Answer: h=6 m=32
